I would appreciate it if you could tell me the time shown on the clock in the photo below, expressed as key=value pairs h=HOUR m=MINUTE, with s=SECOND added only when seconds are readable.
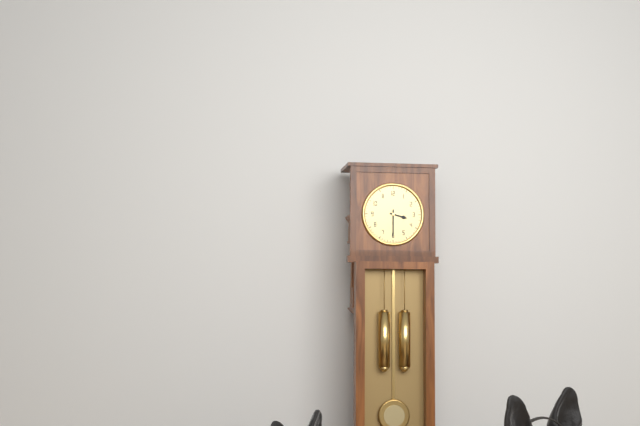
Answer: h=3 m=30
